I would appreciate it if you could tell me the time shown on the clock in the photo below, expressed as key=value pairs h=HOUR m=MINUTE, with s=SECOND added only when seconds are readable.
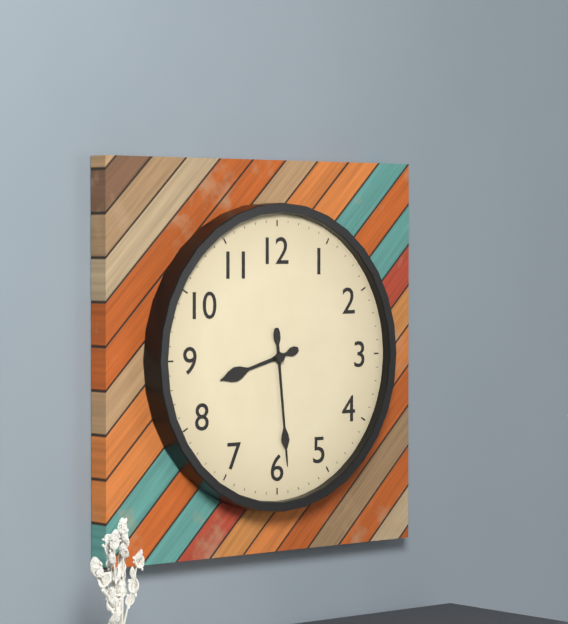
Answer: h=8 m=29
